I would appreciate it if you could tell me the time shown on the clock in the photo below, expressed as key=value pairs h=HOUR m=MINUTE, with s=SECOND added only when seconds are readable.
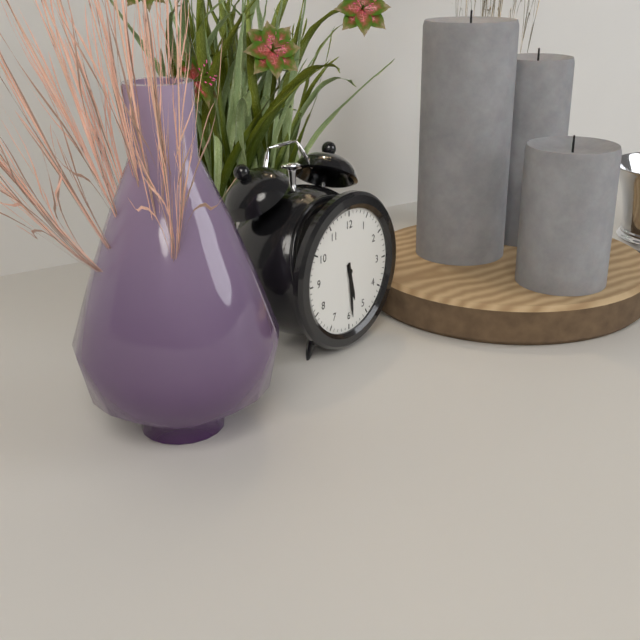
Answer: h=5 m=29
